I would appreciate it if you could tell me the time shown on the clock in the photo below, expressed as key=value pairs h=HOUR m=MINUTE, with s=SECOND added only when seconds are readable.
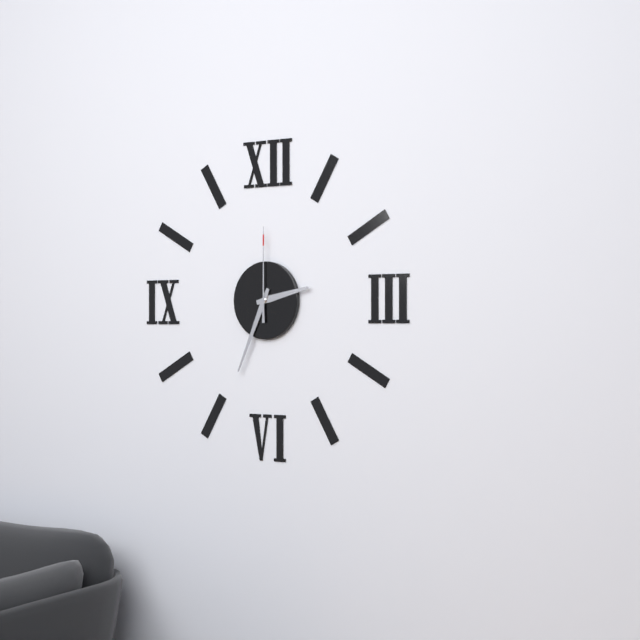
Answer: h=2 m=34 s=0
